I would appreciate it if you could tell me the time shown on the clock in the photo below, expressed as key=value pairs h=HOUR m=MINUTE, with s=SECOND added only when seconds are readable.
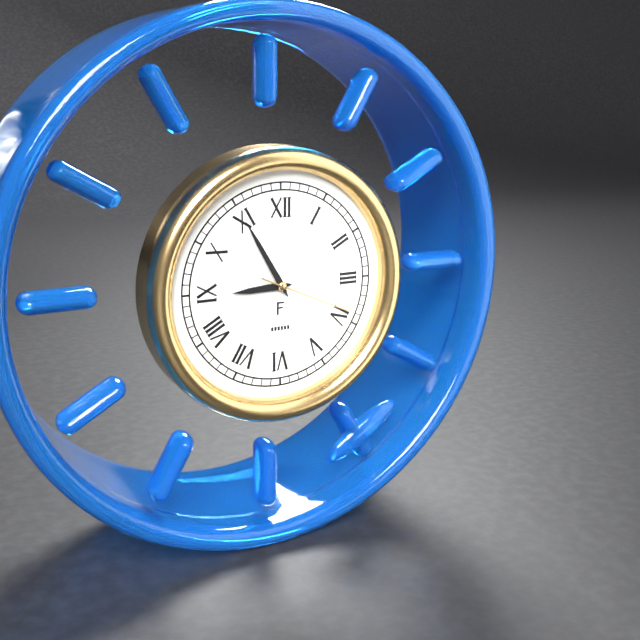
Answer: h=8 m=55 s=19
